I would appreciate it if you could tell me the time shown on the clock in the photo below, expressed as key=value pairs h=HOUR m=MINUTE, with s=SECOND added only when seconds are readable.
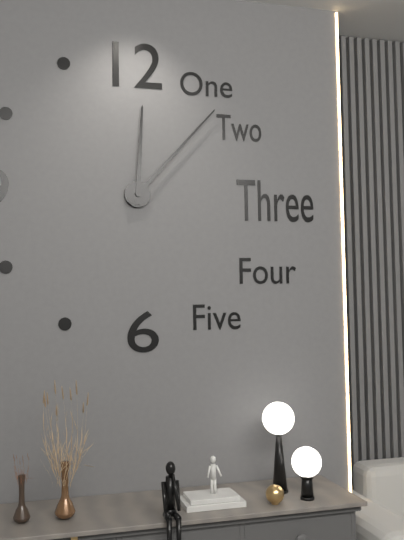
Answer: h=12 m=7
